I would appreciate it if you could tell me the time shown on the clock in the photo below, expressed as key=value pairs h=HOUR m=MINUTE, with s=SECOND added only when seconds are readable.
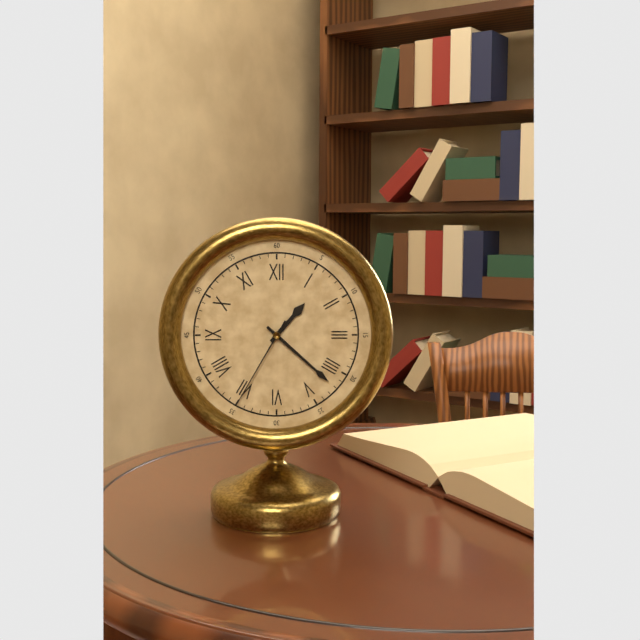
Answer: h=1 m=22 s=35
